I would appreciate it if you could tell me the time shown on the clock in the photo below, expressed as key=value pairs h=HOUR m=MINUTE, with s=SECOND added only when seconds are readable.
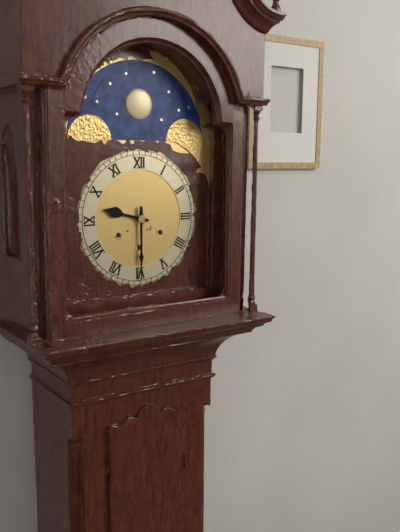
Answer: h=9 m=30
